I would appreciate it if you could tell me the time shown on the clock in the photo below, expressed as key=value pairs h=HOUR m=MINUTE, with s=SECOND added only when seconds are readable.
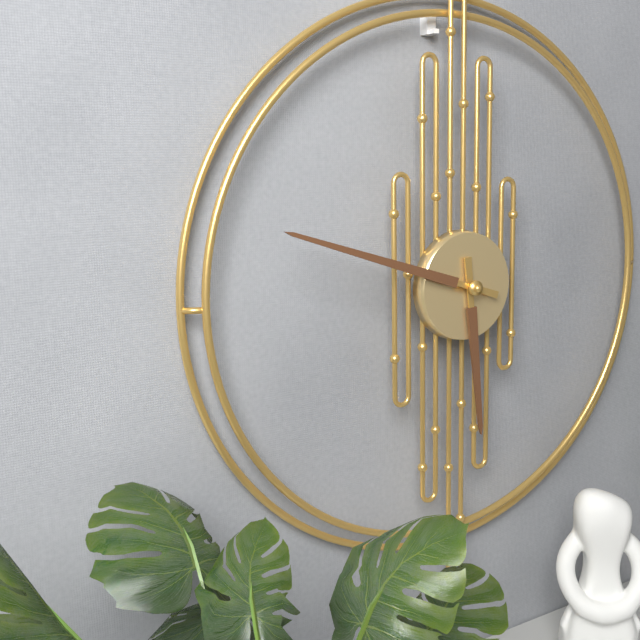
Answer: h=5 m=48
